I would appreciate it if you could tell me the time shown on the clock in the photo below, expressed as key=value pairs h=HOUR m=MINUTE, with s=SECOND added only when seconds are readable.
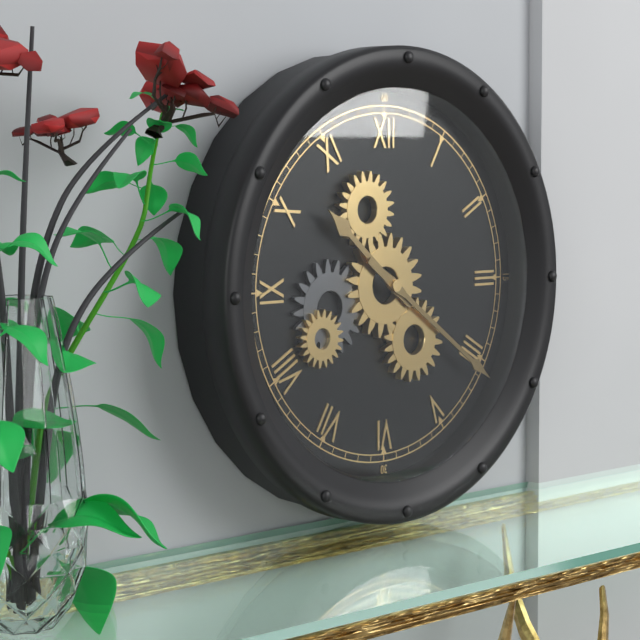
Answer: h=10 m=21
